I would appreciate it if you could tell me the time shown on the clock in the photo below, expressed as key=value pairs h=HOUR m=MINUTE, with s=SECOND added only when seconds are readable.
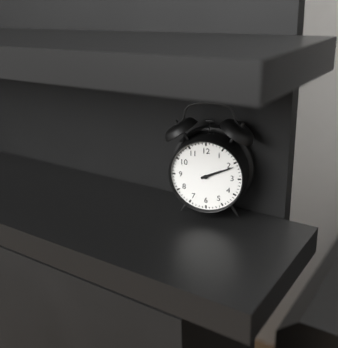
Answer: h=2 m=11
